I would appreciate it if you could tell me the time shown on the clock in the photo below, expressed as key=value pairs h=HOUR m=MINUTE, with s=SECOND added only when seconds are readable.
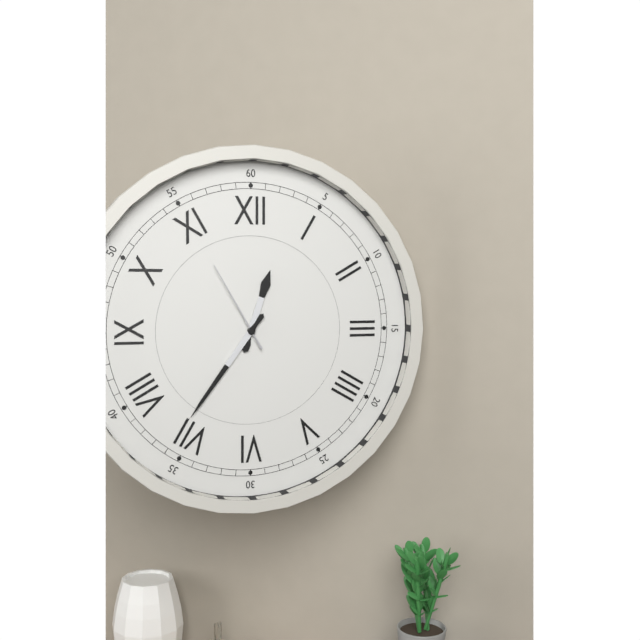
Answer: h=12 m=36 s=55
